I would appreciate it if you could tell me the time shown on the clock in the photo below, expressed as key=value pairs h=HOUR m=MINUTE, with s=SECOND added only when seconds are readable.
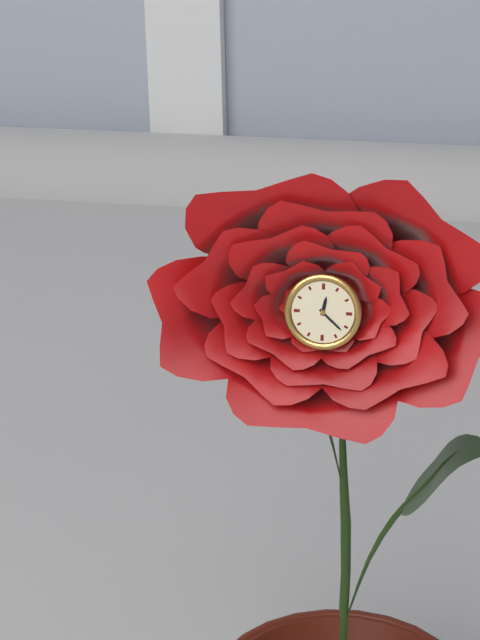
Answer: h=12 m=22
